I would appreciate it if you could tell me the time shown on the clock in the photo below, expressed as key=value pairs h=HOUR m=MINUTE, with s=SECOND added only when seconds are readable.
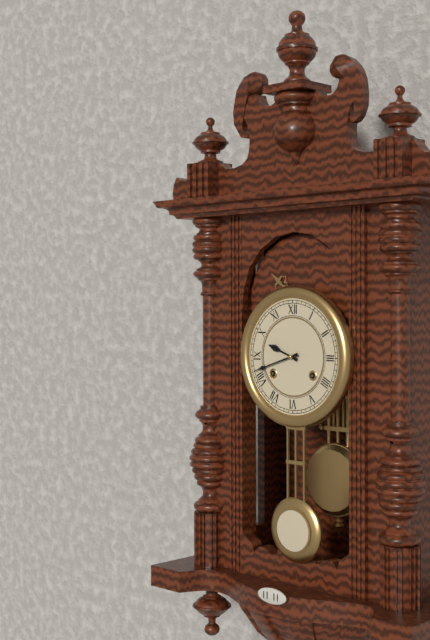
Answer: h=9 m=42
